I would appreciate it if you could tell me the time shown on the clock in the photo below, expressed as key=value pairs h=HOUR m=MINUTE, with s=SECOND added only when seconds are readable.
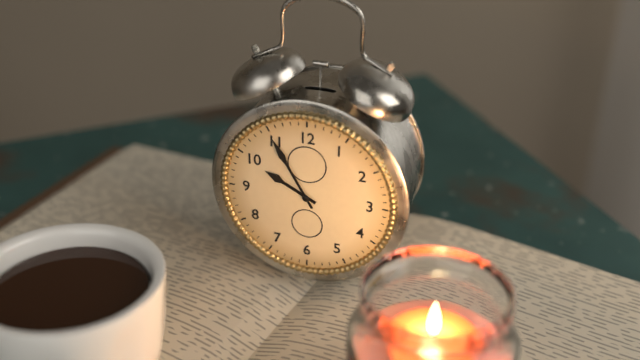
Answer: h=9 m=55
